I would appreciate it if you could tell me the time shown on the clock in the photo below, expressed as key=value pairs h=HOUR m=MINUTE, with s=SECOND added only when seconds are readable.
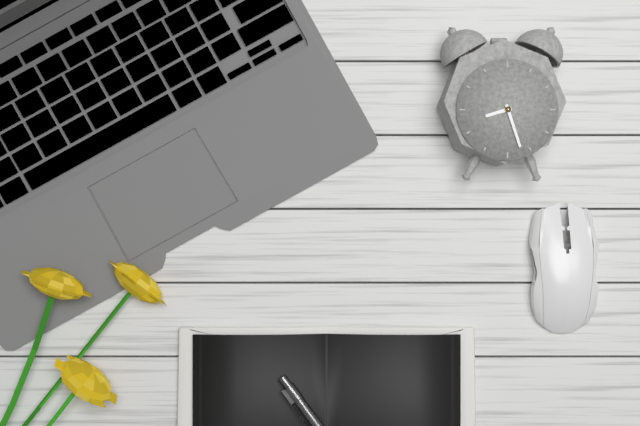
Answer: h=8 m=27
